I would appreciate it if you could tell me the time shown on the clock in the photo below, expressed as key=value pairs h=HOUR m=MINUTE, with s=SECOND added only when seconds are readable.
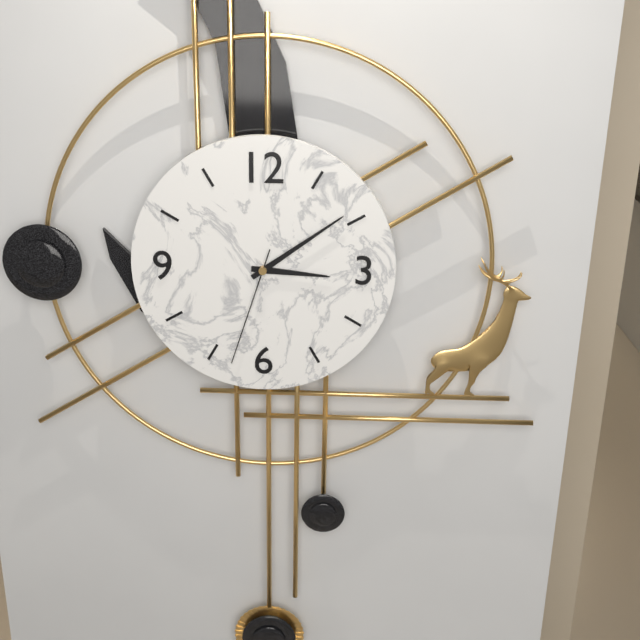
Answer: h=3 m=9 s=33
